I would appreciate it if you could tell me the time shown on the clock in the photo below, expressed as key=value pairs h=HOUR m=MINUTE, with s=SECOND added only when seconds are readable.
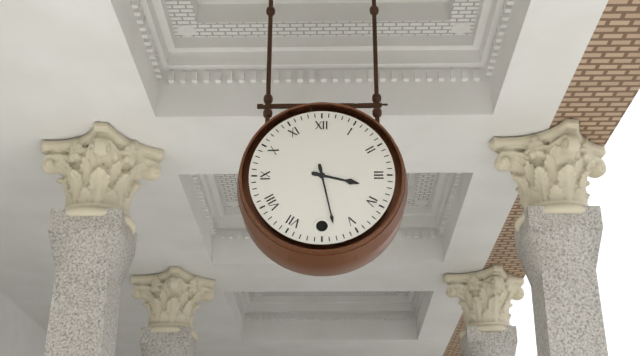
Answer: h=3 m=28
